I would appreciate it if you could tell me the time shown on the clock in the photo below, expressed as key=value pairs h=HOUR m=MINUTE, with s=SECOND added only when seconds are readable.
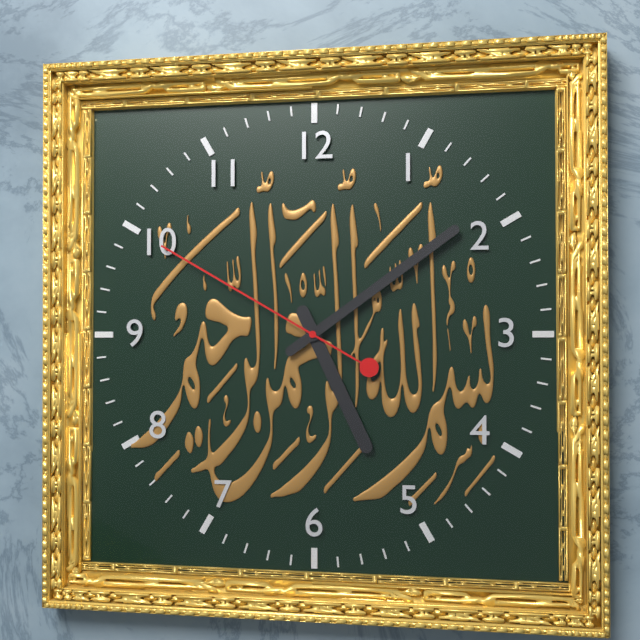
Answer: h=5 m=9 s=50
